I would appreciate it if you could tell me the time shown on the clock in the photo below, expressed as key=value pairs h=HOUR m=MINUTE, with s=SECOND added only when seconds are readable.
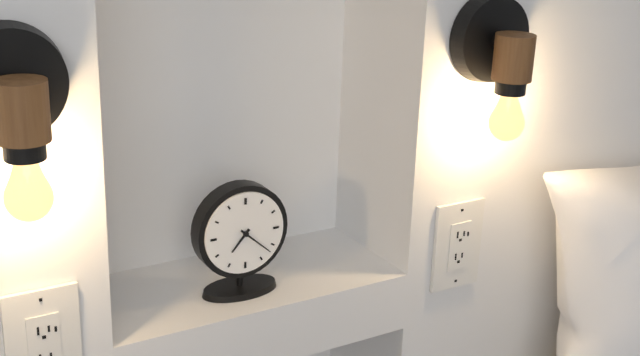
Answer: h=7 m=22
